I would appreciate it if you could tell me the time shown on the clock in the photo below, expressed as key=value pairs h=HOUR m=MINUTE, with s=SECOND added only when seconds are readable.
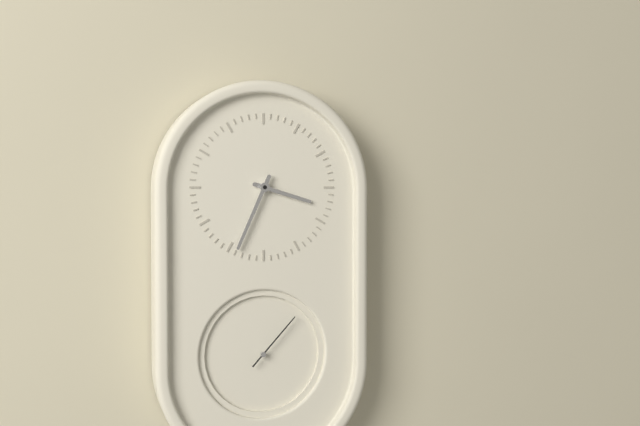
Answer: h=3 m=34 s=7
